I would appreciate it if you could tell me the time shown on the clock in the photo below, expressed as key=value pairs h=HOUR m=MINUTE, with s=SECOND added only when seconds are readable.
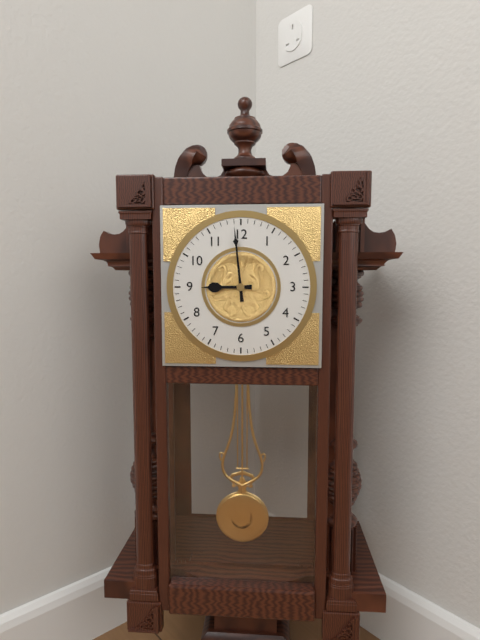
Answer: h=8 m=59
